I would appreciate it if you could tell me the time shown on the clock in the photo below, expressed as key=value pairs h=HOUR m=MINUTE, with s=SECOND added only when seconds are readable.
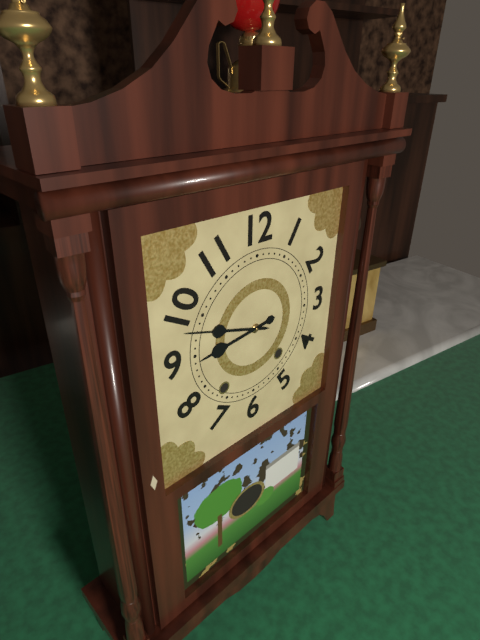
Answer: h=8 m=48
